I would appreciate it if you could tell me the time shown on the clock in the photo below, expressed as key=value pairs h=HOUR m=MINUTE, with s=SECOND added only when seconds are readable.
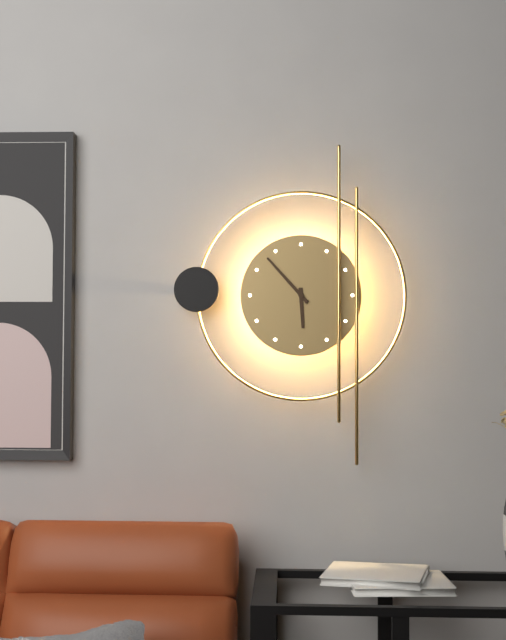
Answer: h=5 m=53
